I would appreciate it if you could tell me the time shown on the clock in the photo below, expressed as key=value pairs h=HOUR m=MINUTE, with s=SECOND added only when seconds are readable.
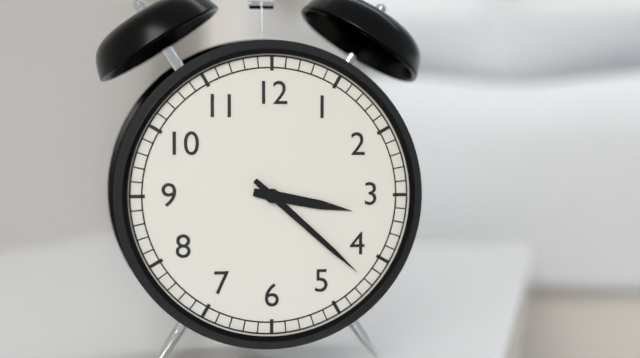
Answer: h=3 m=22
